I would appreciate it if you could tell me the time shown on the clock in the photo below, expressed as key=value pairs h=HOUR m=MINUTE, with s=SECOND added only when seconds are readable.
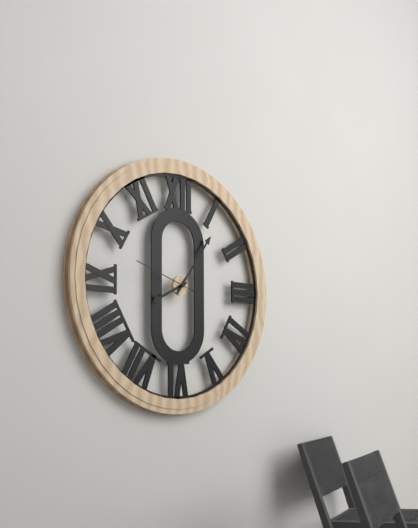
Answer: h=8 m=6 s=48
